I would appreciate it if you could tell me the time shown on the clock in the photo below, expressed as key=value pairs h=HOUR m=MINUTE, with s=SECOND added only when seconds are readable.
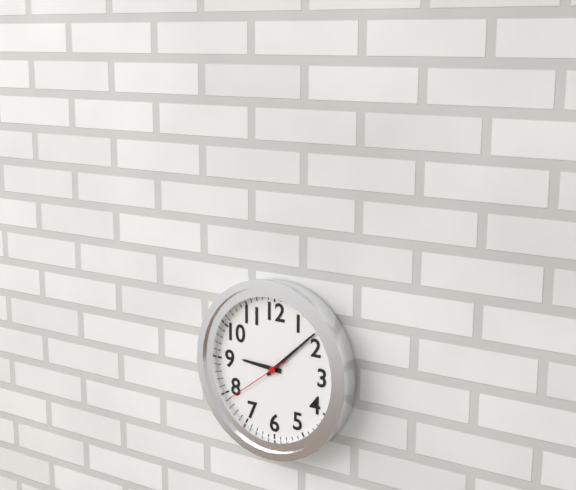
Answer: h=9 m=8 s=39
